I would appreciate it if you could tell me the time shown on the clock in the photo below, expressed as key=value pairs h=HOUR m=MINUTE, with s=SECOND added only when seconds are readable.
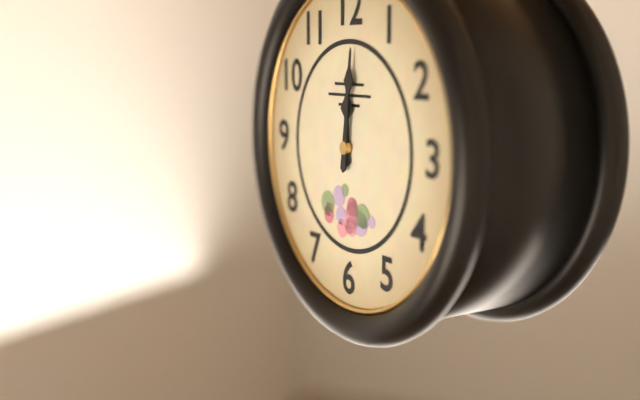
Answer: h=12 m=1
